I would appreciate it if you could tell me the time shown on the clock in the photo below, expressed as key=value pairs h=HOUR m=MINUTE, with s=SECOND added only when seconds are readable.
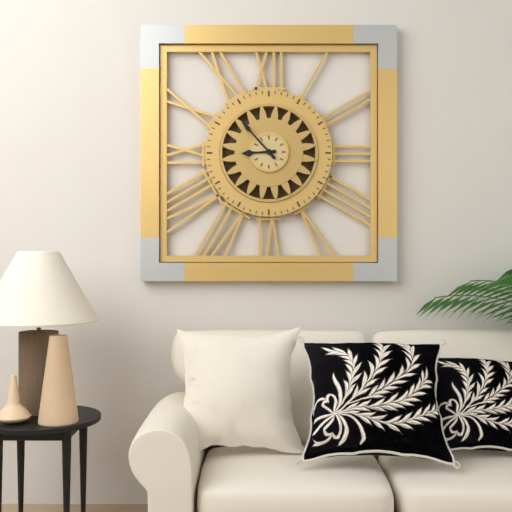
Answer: h=8 m=53
